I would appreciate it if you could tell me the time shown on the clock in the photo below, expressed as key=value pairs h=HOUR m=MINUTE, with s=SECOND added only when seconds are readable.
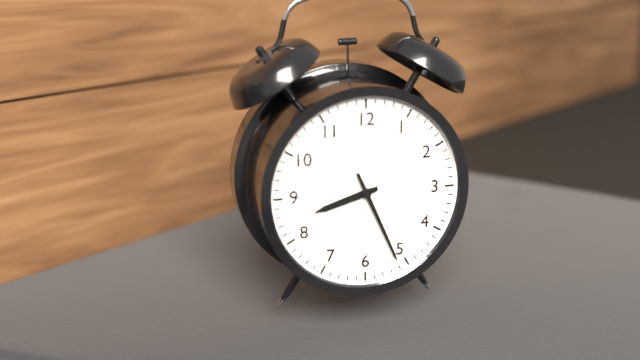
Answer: h=8 m=26
